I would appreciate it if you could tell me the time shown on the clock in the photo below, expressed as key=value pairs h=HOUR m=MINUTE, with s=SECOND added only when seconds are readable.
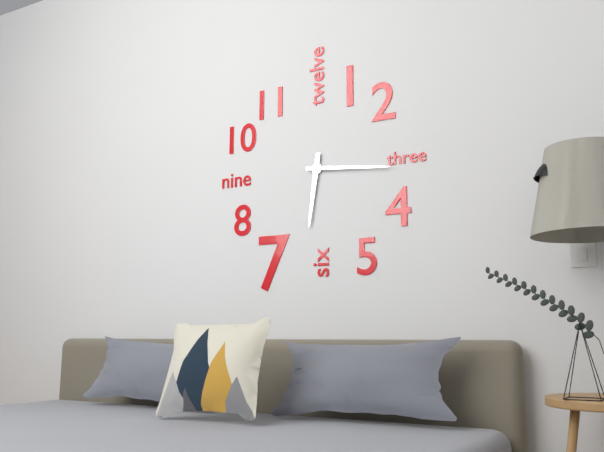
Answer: h=6 m=16
